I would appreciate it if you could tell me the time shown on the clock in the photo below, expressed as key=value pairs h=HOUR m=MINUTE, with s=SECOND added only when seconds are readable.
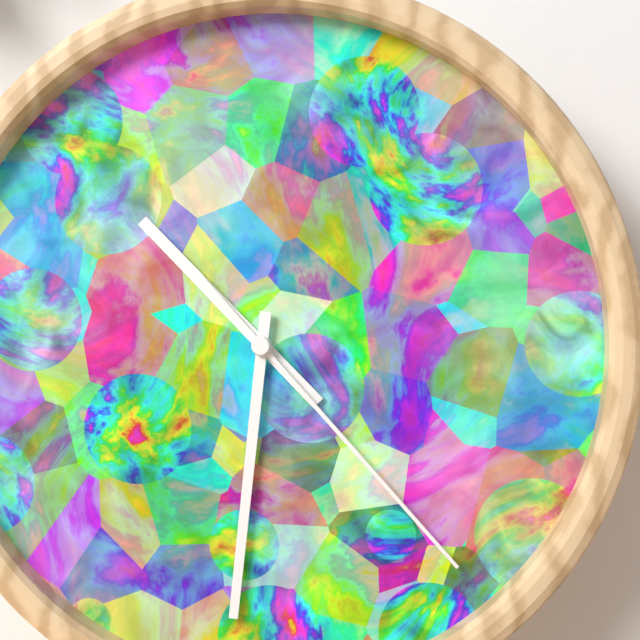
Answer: h=10 m=31 s=23
